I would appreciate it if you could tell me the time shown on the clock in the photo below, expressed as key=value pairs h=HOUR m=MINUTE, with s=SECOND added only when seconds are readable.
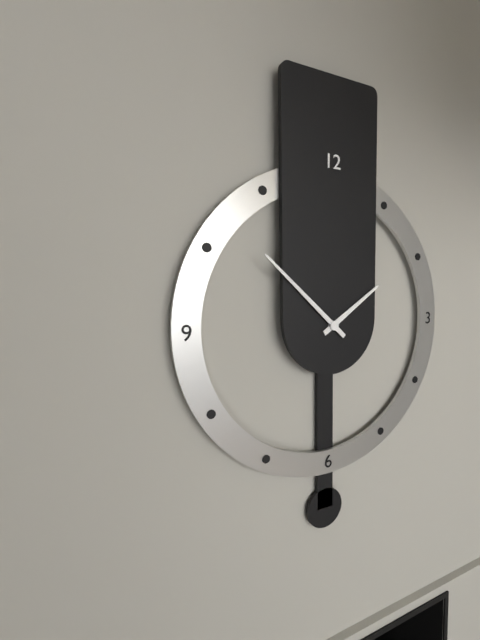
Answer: h=1 m=52
